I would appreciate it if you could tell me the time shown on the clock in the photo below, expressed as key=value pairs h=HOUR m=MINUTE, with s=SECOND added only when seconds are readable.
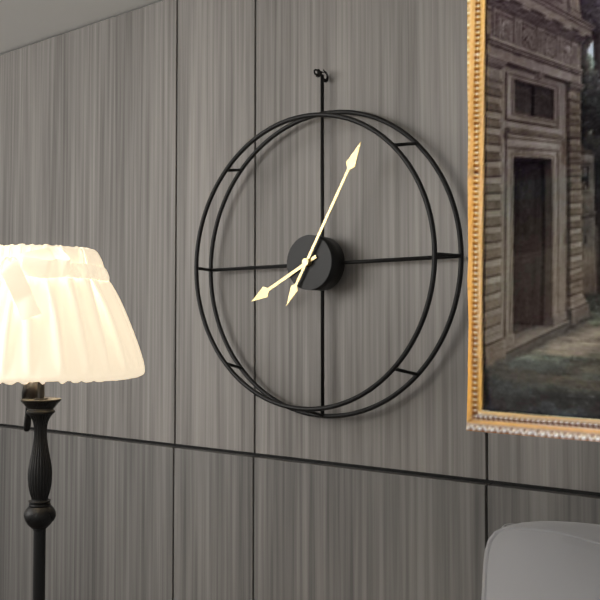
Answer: h=8 m=5
